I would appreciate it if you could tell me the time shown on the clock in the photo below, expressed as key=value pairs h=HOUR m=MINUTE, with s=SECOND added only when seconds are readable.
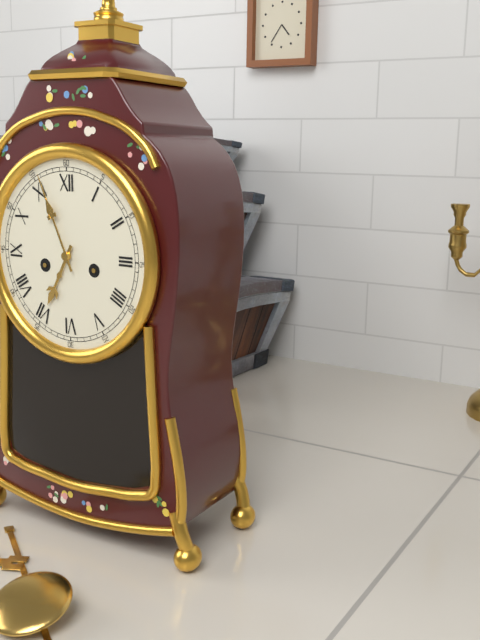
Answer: h=6 m=56
